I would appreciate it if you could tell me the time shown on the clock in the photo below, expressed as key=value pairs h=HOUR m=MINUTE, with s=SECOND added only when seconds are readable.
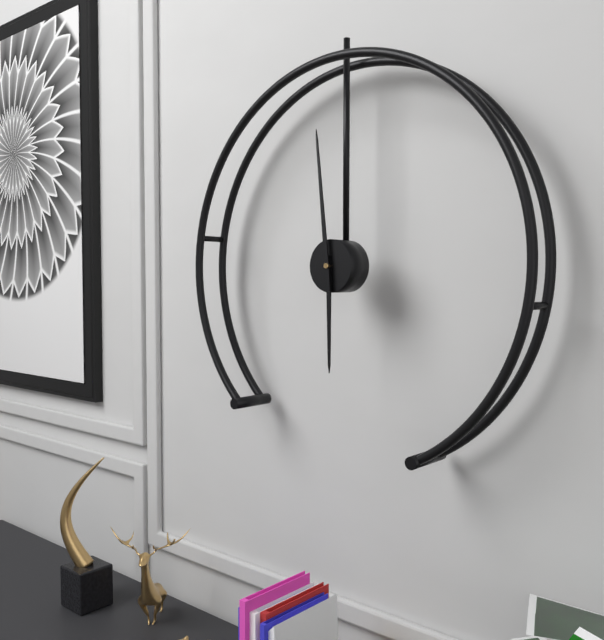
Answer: h=5 m=59
